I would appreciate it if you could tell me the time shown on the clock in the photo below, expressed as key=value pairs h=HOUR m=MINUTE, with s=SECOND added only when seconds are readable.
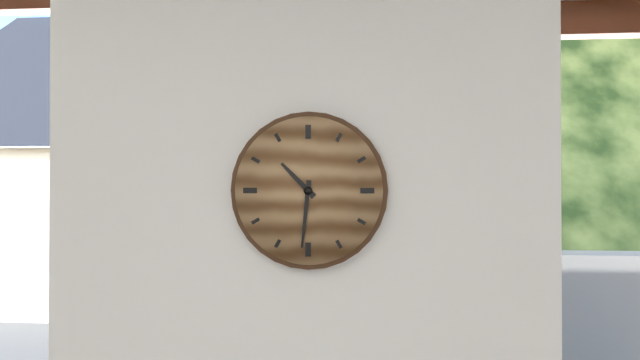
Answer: h=10 m=31
